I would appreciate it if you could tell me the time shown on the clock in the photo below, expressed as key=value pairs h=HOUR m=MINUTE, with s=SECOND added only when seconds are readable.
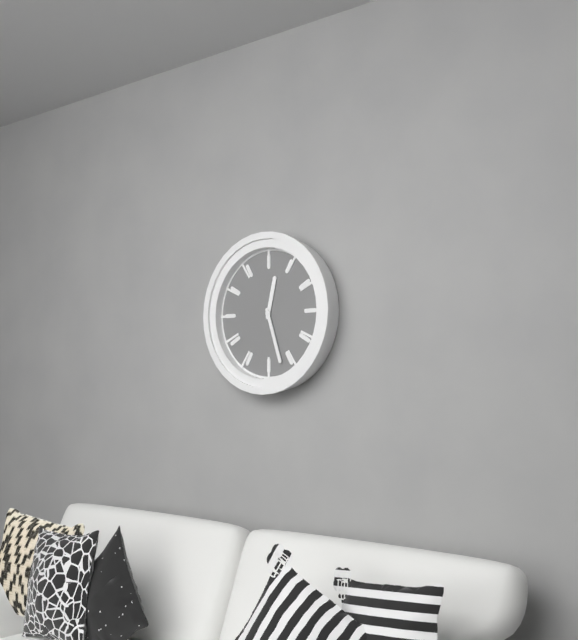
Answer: h=12 m=27
